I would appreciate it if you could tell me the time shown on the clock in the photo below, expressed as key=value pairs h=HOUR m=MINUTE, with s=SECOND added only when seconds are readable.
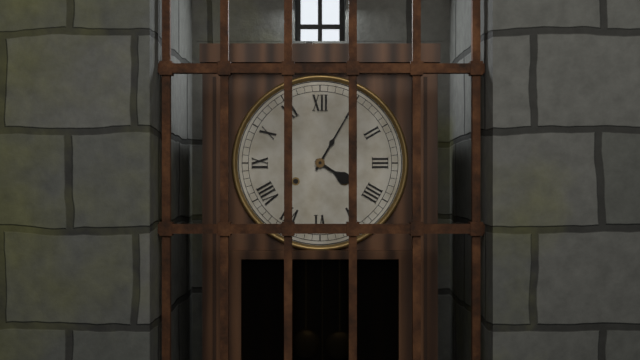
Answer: h=4 m=5
